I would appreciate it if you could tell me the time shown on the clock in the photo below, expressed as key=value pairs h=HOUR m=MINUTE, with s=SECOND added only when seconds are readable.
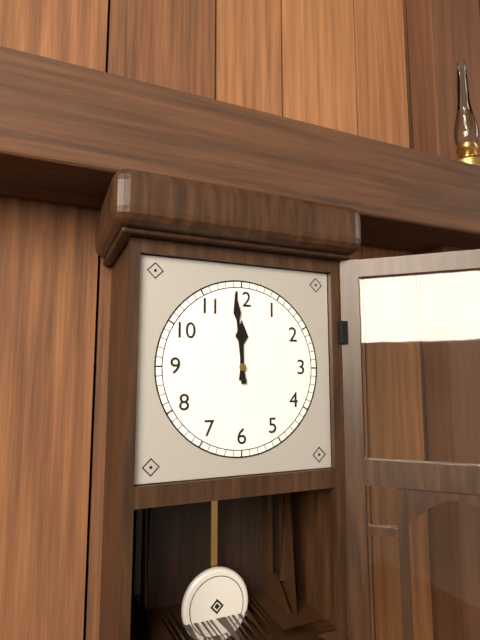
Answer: h=11 m=59
